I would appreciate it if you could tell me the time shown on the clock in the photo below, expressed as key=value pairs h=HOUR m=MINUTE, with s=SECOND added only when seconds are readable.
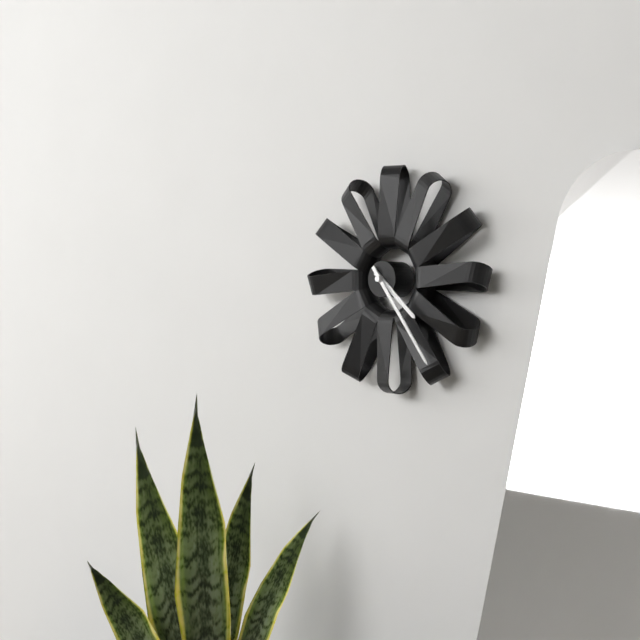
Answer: h=4 m=24
